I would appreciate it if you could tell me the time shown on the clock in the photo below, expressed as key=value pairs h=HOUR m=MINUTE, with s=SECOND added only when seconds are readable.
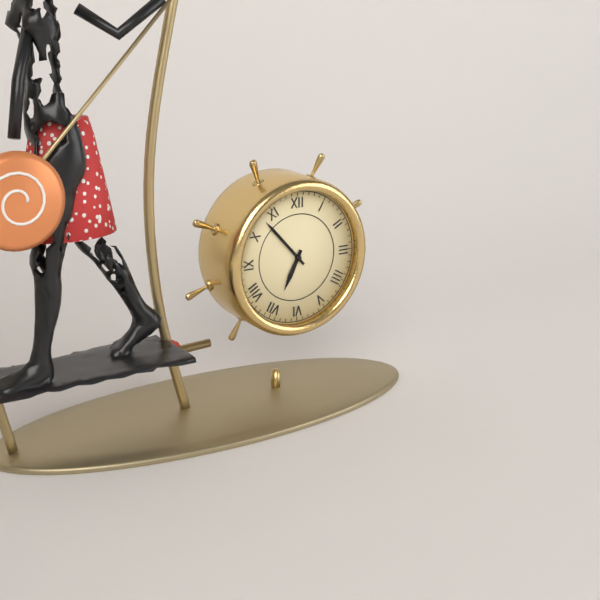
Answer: h=6 m=53
